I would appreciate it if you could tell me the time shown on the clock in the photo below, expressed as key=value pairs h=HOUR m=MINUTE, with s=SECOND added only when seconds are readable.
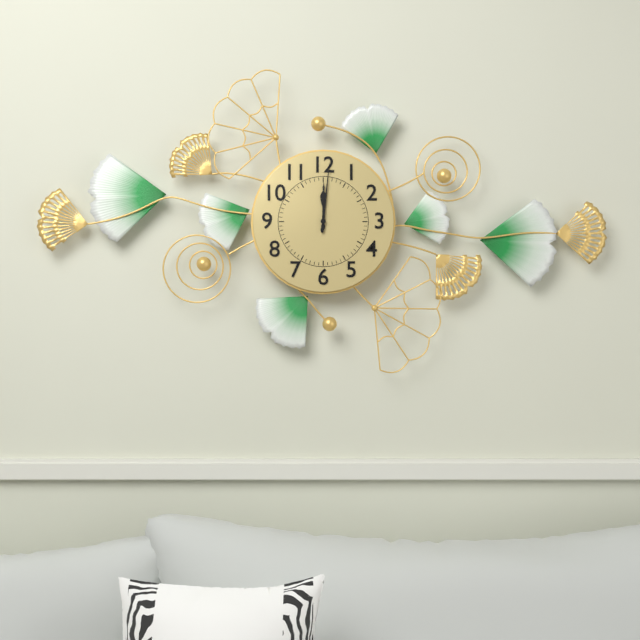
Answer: h=12 m=1
